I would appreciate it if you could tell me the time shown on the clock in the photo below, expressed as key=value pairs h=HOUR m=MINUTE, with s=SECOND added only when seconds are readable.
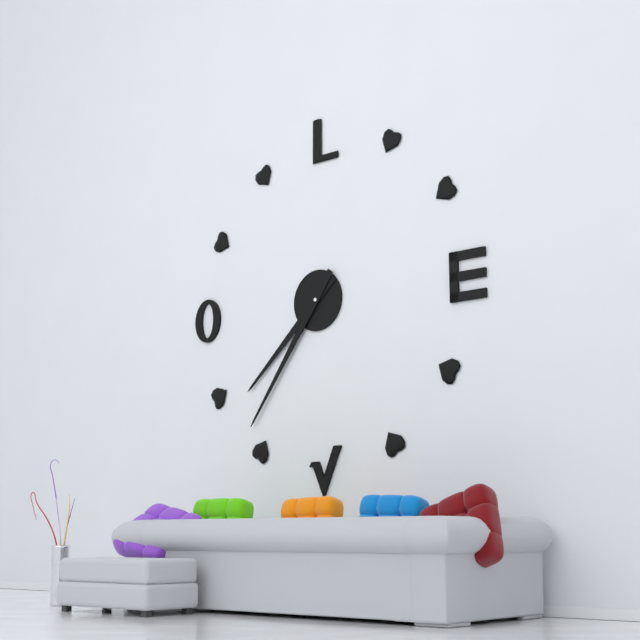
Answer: h=7 m=36
